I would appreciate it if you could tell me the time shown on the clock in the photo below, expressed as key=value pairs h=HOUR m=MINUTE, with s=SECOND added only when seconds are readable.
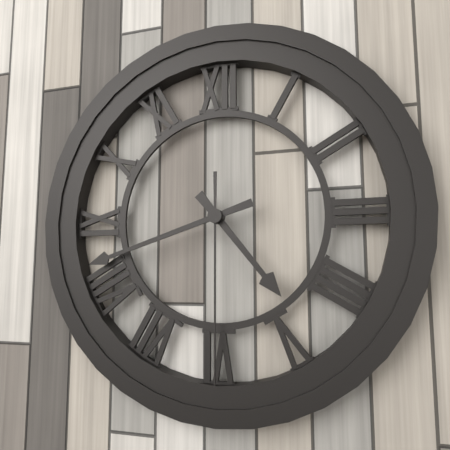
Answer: h=4 m=42 s=30
